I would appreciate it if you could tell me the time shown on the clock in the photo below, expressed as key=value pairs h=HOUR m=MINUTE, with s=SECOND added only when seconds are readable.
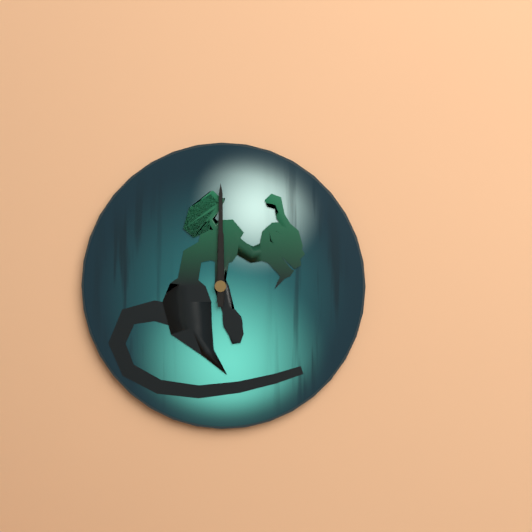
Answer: h=12 m=0
